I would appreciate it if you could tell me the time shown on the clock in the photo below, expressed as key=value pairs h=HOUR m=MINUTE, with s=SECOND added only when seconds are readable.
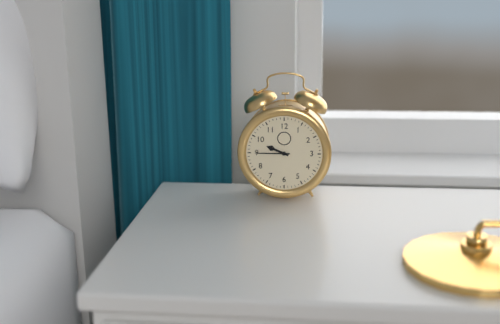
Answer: h=9 m=45
